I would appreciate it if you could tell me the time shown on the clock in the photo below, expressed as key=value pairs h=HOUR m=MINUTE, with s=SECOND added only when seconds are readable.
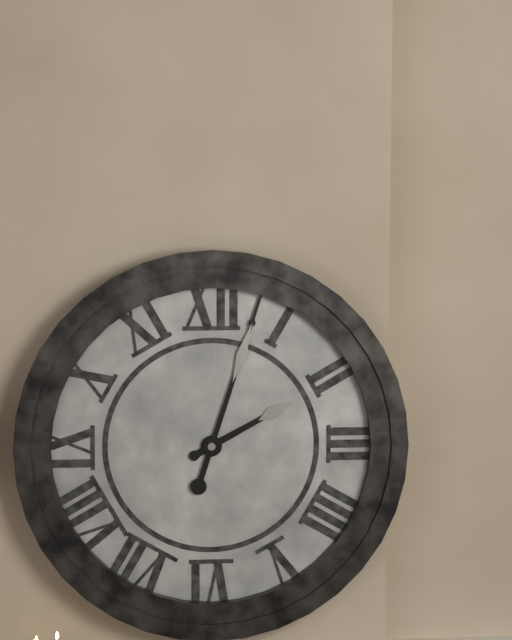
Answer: h=2 m=3
